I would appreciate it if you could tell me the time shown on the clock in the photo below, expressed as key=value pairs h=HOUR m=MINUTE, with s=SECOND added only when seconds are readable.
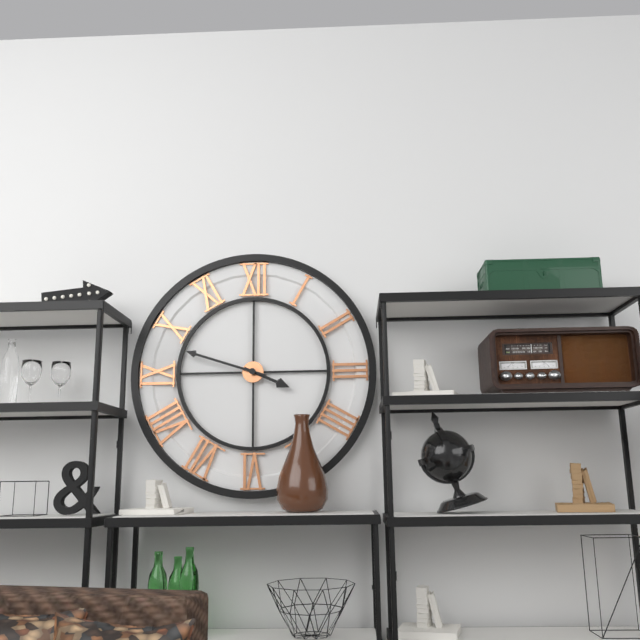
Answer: h=3 m=48
